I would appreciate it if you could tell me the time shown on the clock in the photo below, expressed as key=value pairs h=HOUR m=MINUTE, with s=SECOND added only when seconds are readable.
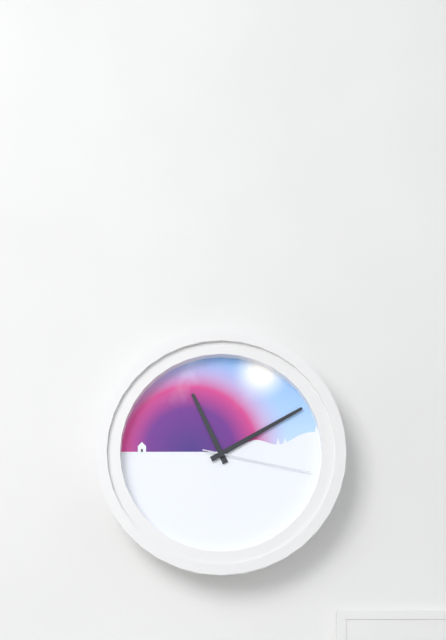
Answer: h=11 m=10 s=17
